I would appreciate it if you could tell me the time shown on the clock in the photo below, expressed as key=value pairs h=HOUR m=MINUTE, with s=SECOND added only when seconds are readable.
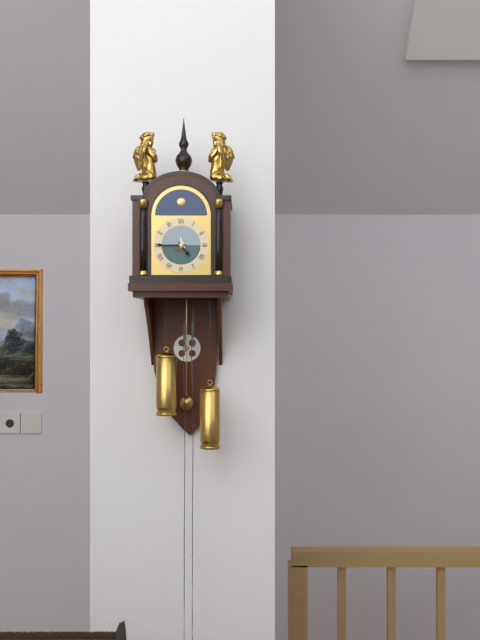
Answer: h=4 m=45
